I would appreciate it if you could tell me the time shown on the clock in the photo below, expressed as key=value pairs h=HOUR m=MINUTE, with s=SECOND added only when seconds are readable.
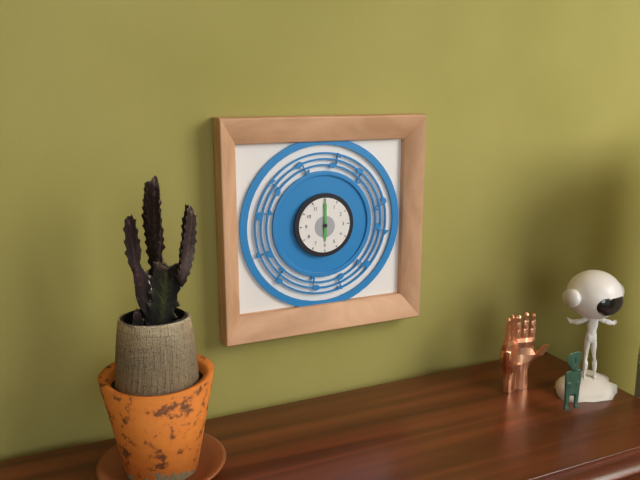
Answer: h=6 m=0
